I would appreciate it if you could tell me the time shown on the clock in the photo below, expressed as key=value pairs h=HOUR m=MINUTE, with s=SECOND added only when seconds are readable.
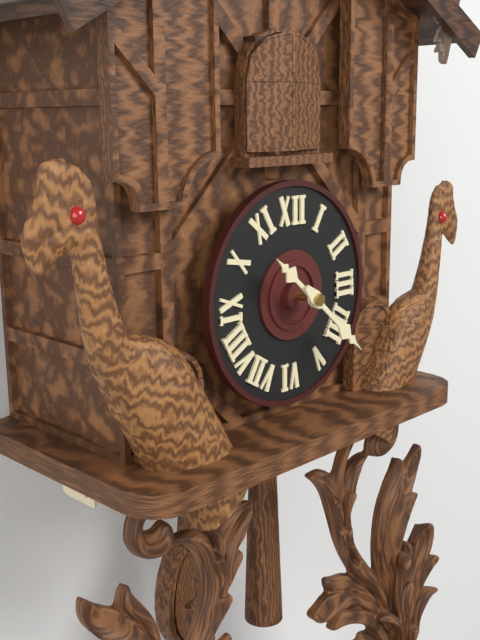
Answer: h=10 m=22
